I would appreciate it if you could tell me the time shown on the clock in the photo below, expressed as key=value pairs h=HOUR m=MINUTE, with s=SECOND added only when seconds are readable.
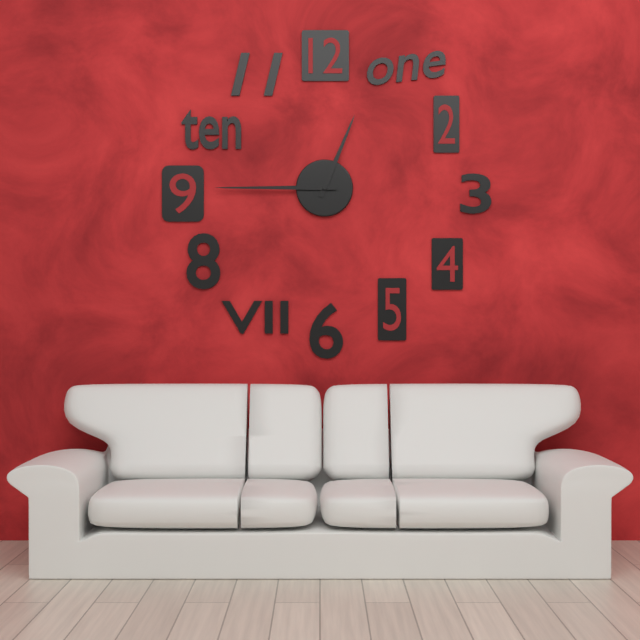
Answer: h=12 m=45
